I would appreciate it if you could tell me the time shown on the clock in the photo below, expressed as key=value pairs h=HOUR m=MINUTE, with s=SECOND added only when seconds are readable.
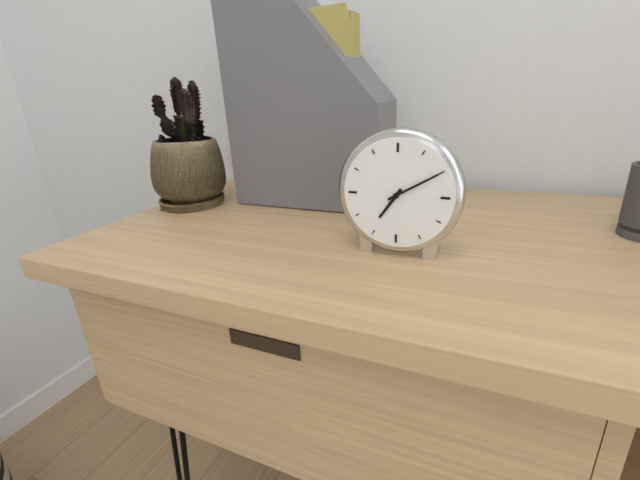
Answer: h=7 m=10
